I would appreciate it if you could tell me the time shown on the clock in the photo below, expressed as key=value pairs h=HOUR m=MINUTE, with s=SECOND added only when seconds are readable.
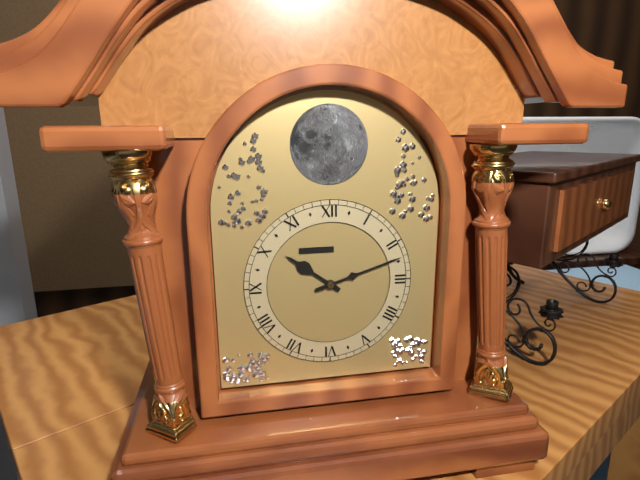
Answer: h=10 m=12
